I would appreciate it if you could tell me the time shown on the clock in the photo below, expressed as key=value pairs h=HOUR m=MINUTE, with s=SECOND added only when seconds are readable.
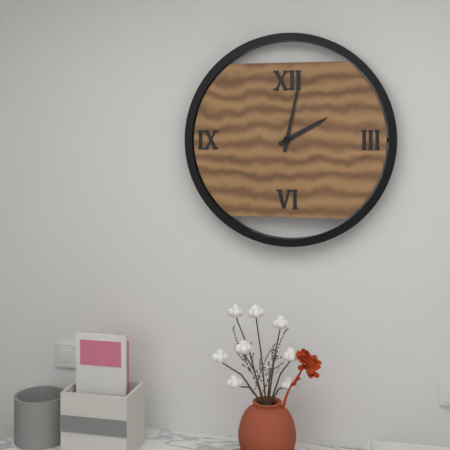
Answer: h=2 m=2
